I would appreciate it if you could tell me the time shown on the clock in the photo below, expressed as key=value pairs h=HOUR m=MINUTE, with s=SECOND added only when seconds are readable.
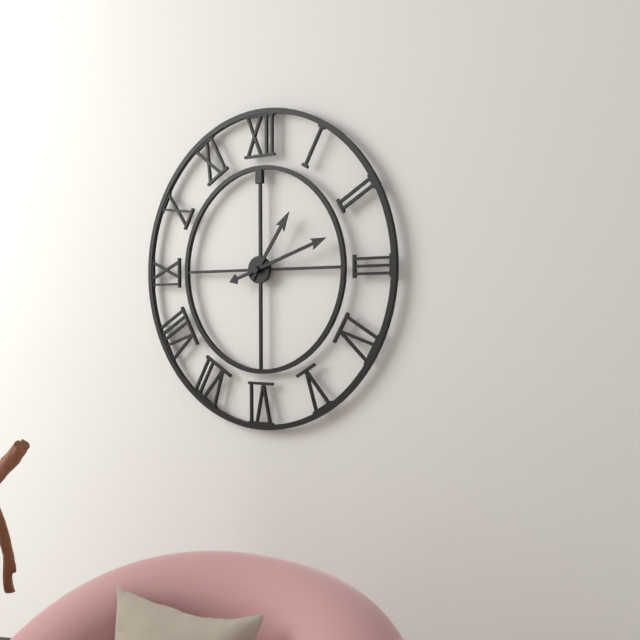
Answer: h=1 m=12
